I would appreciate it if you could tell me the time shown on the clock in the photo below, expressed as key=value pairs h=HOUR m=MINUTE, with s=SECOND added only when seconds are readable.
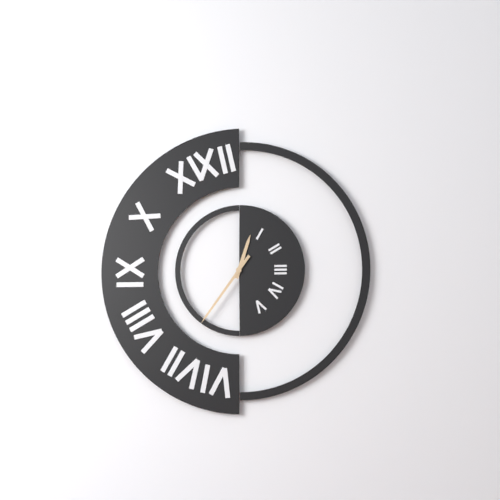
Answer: h=12 m=36
